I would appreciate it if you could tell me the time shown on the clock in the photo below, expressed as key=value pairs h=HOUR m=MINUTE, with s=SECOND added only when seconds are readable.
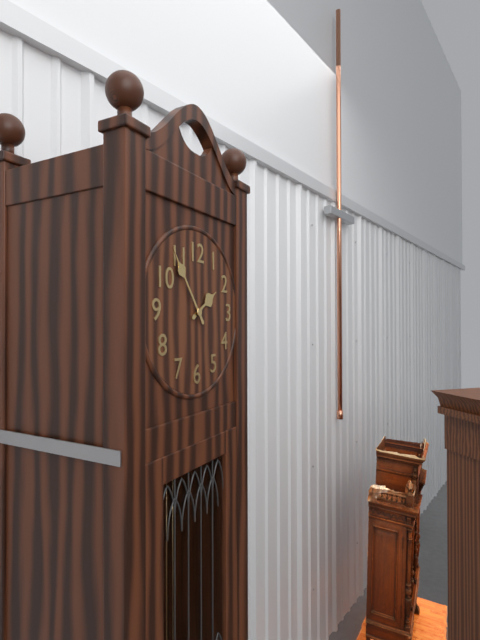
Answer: h=1 m=54
